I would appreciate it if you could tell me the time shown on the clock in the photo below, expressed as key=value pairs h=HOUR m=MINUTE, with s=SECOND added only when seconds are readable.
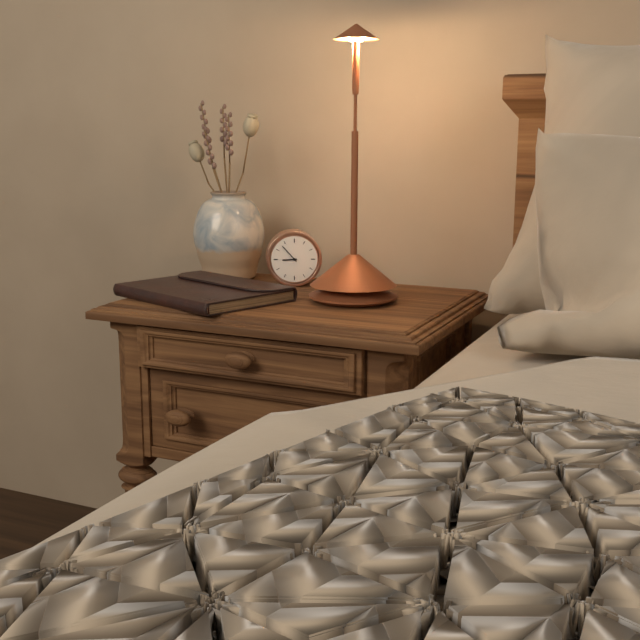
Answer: h=8 m=53
